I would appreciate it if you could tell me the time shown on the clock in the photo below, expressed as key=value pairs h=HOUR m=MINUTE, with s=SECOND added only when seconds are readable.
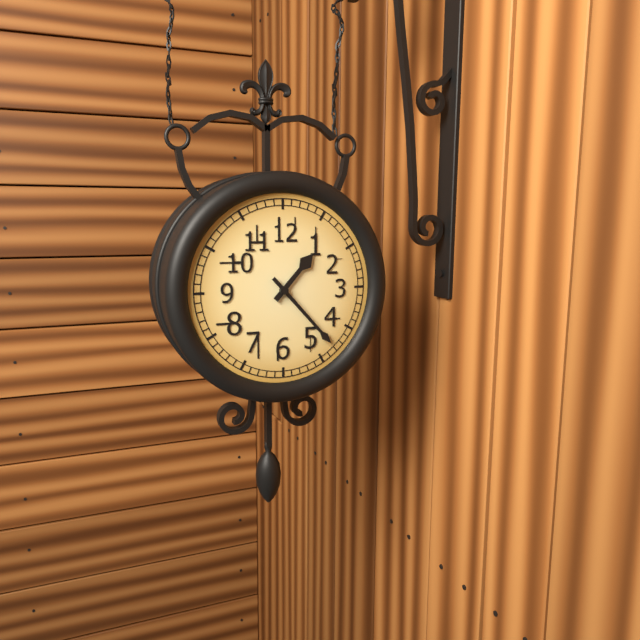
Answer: h=1 m=23
